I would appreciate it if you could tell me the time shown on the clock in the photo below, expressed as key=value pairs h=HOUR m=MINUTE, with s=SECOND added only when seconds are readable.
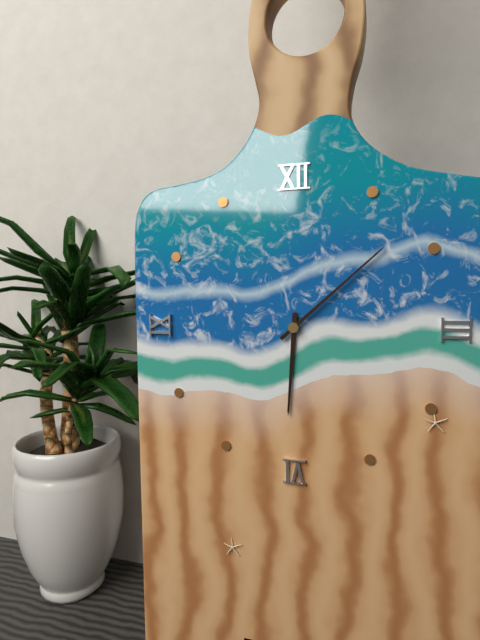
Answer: h=6 m=8
